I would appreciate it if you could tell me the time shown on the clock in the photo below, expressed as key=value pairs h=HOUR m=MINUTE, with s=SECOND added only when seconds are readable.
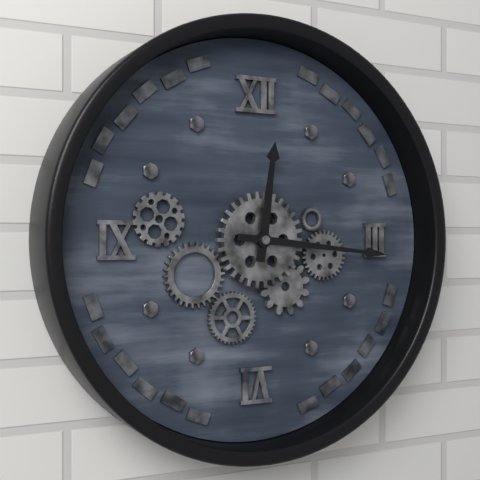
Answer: h=12 m=16
